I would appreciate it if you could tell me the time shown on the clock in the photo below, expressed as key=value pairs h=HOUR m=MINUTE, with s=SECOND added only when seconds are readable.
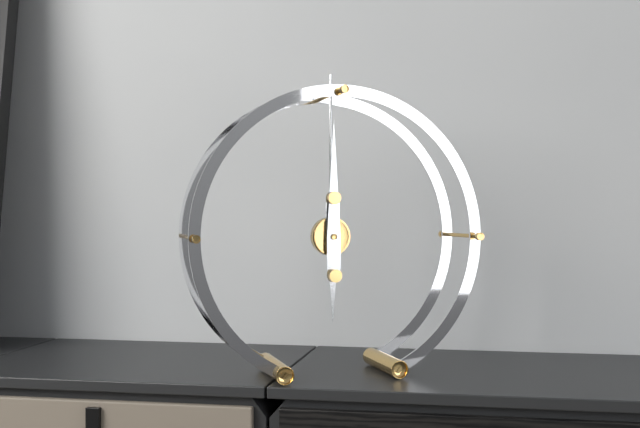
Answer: h=6 m=0
